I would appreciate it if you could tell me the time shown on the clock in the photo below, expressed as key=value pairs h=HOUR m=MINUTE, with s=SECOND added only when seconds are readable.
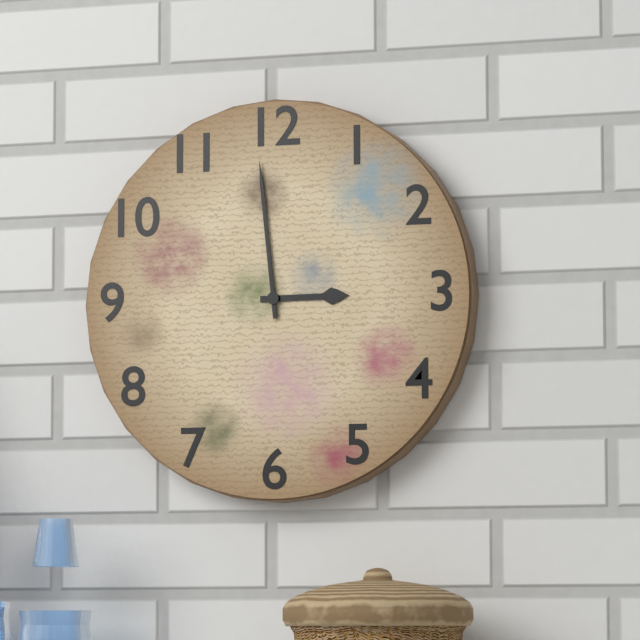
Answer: h=2 m=59
